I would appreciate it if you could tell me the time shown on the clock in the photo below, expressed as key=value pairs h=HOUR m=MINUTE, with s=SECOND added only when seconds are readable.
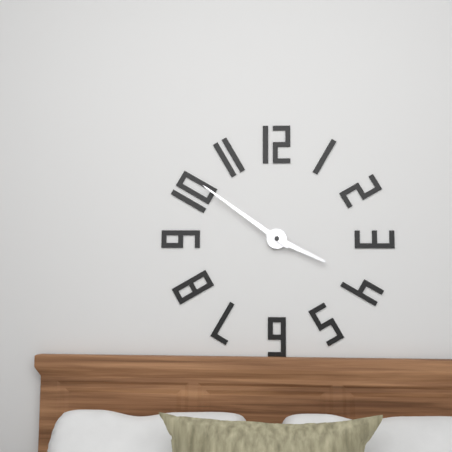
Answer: h=3 m=51
